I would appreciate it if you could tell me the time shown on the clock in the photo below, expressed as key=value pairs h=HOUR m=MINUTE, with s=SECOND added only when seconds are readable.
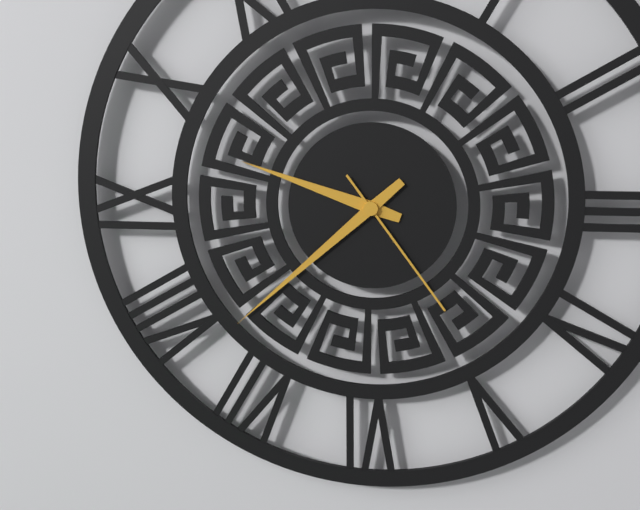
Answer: h=9 m=38 s=24
